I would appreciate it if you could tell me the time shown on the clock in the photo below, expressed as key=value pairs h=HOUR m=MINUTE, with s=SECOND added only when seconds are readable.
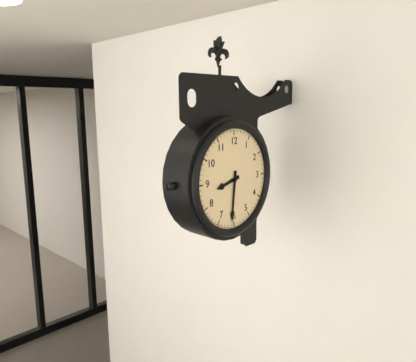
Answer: h=8 m=31
